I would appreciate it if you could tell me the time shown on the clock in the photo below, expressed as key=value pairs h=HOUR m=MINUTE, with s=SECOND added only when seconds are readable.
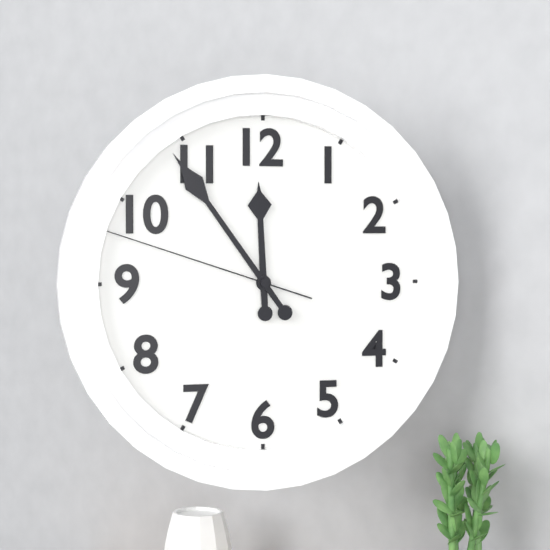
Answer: h=11 m=54 s=48
